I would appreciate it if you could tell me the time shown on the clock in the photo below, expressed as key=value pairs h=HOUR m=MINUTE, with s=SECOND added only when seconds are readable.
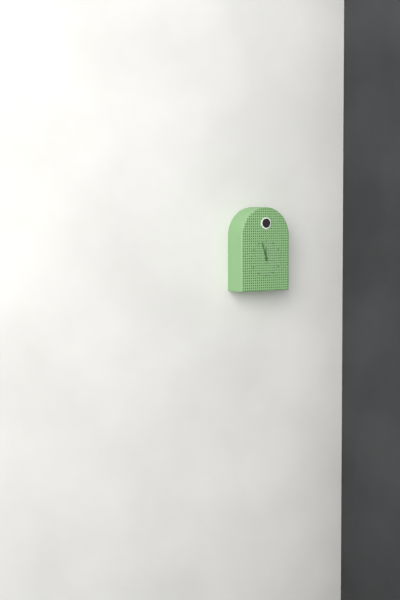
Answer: h=11 m=57
